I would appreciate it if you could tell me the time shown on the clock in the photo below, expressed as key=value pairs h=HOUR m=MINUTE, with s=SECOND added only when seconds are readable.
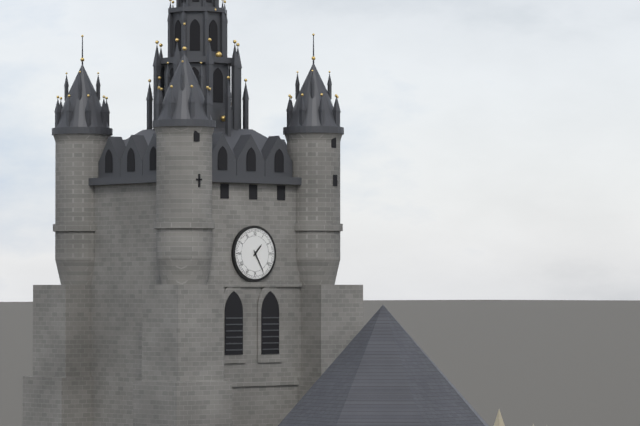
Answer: h=1 m=25
